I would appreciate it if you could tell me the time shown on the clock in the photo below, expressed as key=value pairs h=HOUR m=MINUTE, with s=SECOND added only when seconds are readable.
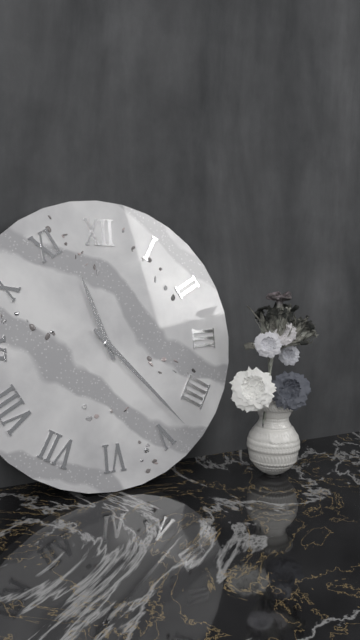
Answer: h=11 m=23
